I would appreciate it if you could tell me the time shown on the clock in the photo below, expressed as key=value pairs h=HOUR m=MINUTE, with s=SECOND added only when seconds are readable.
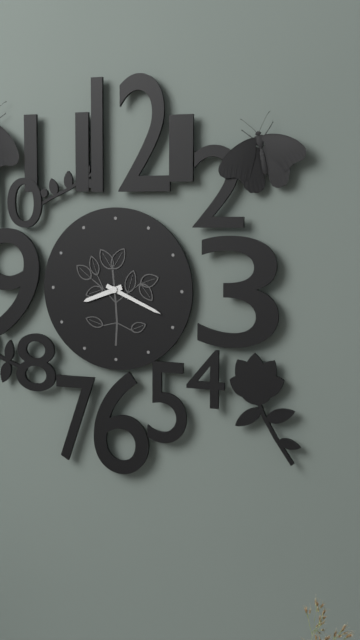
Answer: h=8 m=19
